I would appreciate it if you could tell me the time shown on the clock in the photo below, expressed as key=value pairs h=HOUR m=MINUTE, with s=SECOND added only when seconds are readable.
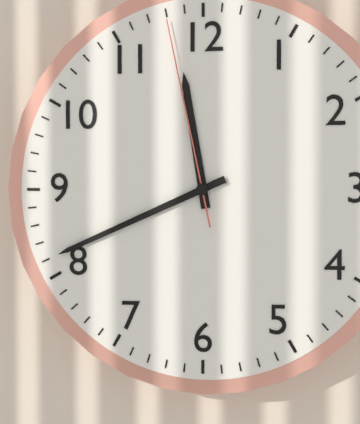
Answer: h=11 m=41 s=58
